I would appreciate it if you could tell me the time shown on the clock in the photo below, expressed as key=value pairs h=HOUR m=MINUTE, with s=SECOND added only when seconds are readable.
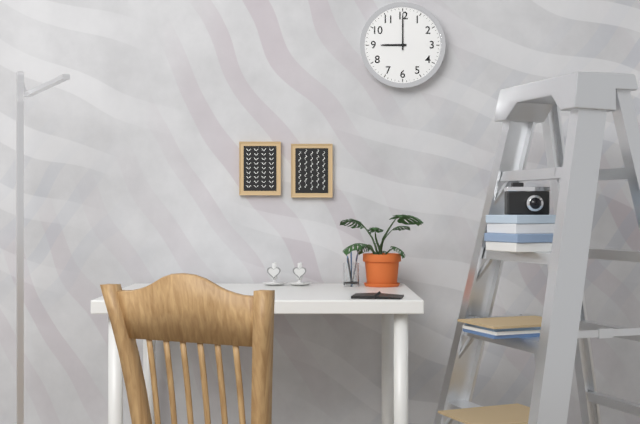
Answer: h=9 m=0
